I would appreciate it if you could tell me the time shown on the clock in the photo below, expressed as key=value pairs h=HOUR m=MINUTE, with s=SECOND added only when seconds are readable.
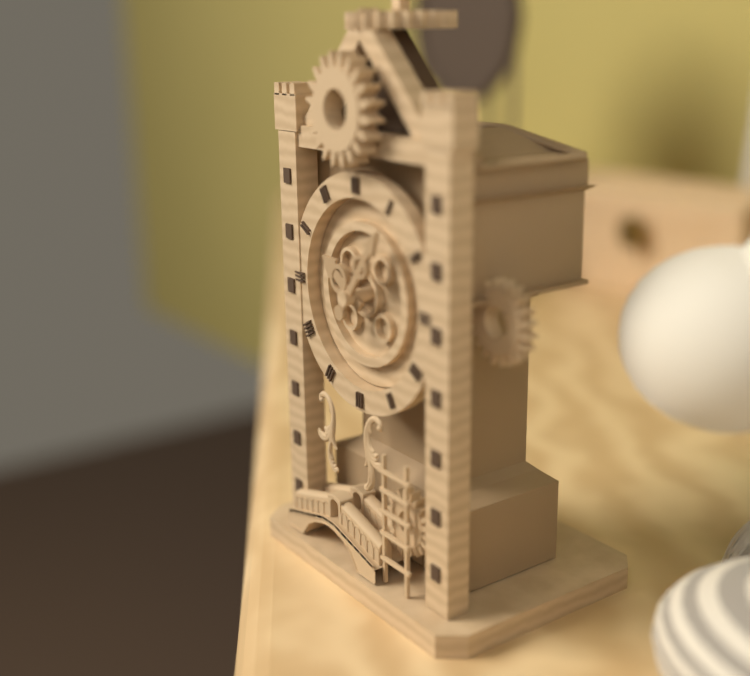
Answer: h=10 m=6
